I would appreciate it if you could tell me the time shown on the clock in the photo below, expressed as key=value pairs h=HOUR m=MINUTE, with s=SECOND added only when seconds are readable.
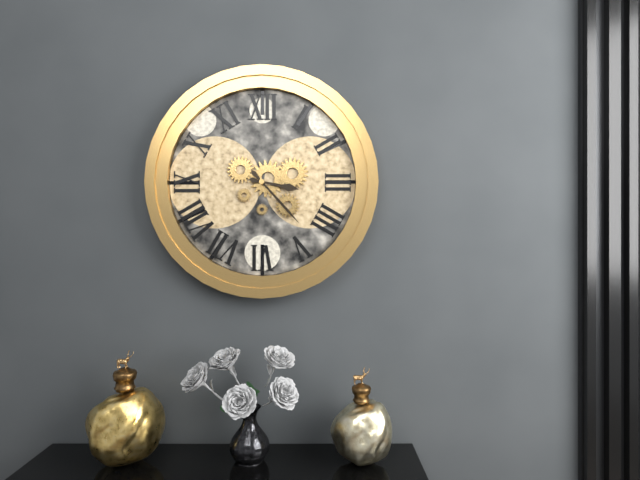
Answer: h=3 m=23
